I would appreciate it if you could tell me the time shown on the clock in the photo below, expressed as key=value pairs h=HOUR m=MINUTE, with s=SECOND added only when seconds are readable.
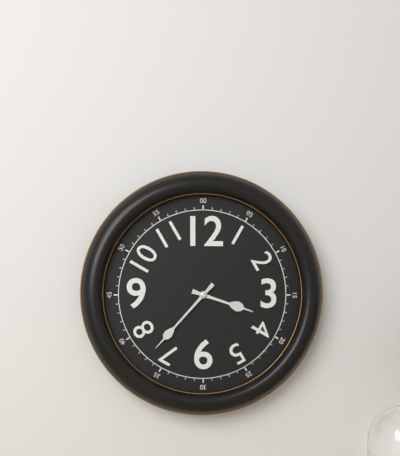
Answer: h=3 m=37
